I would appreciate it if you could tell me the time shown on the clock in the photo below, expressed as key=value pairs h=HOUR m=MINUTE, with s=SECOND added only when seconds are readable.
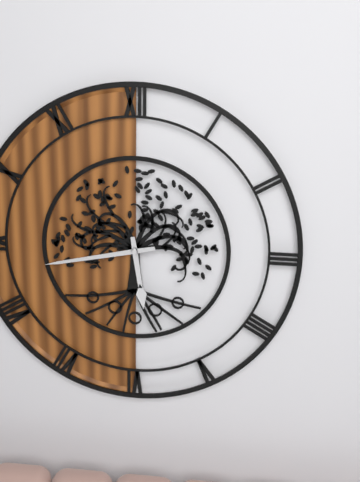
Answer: h=5 m=43
